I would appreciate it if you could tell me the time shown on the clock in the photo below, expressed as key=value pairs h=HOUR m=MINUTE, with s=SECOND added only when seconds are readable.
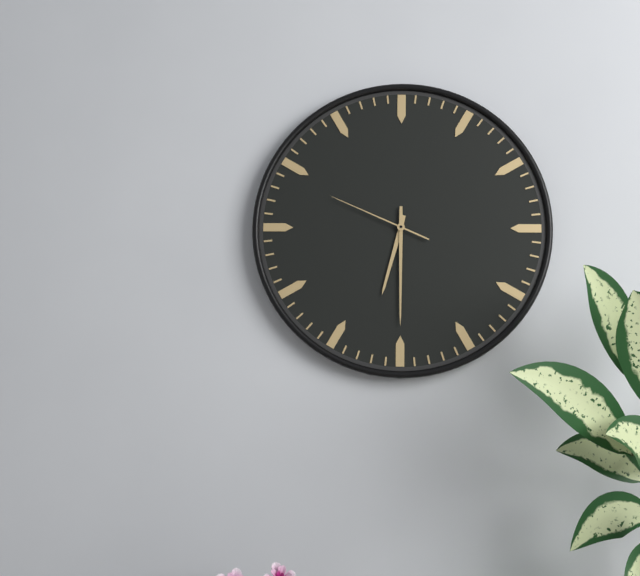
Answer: h=6 m=30 s=49
